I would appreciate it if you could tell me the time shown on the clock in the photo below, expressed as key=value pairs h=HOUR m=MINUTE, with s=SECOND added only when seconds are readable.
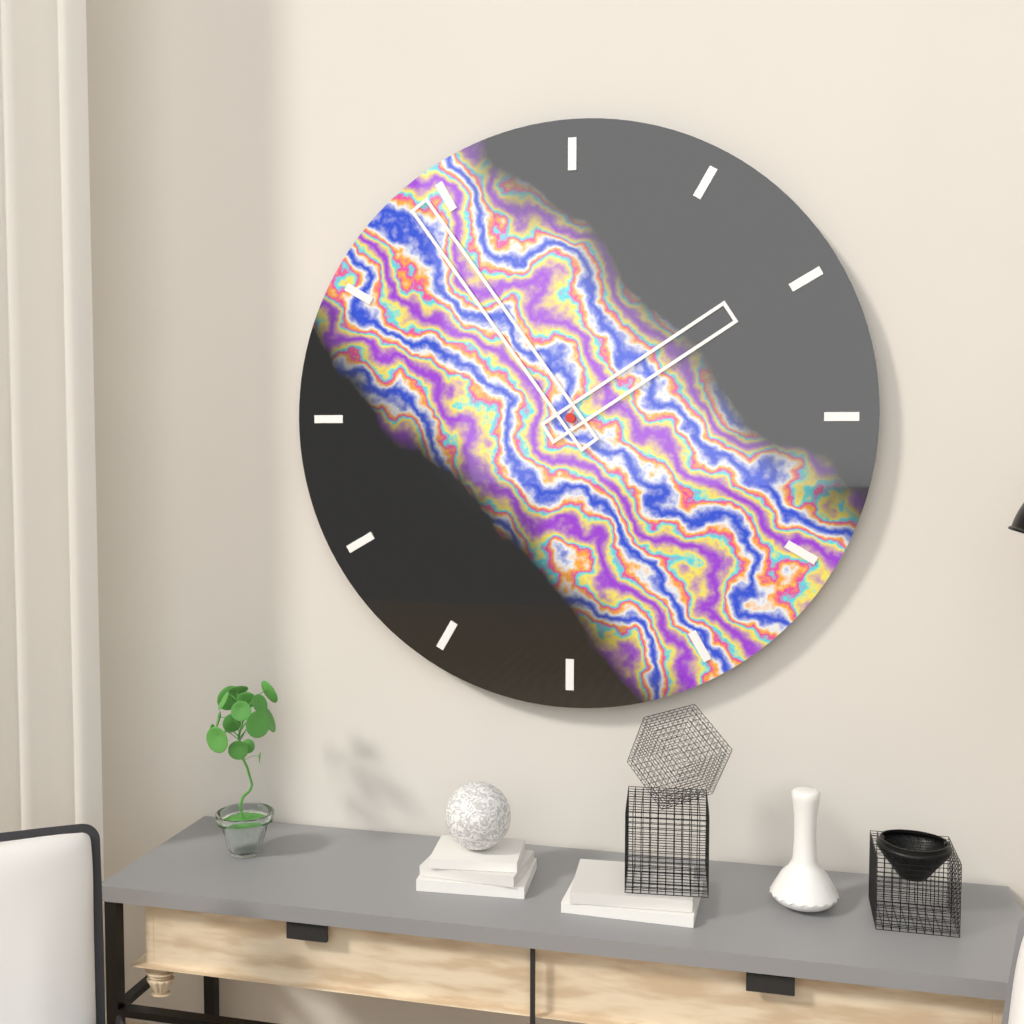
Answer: h=1 m=54
